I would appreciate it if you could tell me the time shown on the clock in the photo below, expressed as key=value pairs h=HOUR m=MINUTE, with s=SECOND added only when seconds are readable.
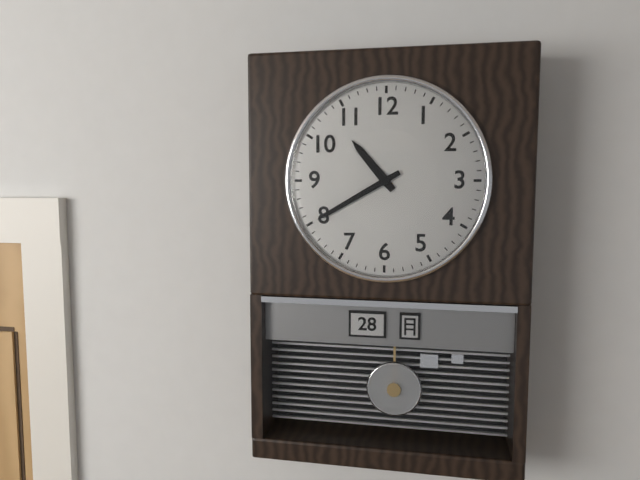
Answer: h=10 m=40
